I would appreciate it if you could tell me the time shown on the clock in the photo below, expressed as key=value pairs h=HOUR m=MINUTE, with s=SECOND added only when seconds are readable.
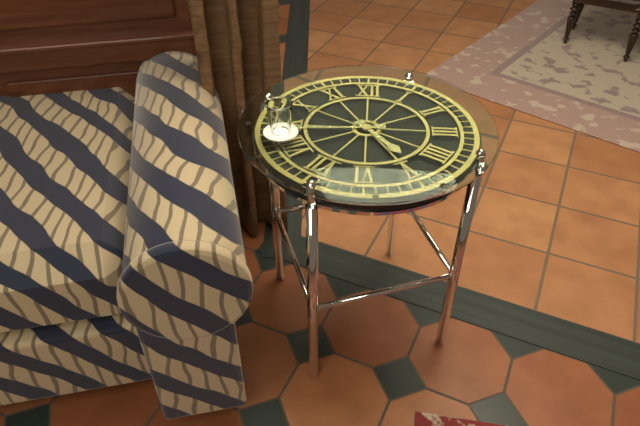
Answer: h=4 m=44
